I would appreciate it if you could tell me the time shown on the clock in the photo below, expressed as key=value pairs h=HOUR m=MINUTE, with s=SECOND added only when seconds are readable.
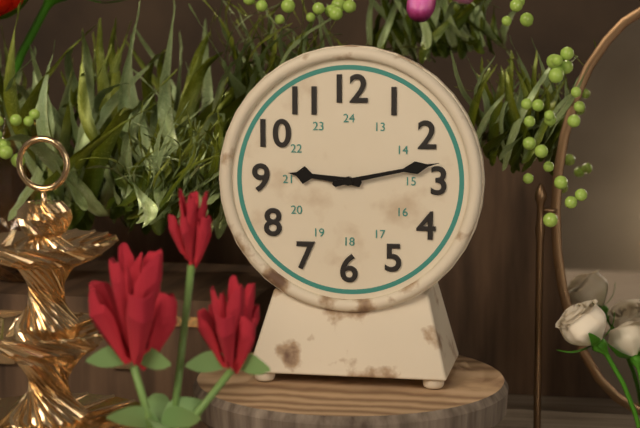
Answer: h=9 m=13
